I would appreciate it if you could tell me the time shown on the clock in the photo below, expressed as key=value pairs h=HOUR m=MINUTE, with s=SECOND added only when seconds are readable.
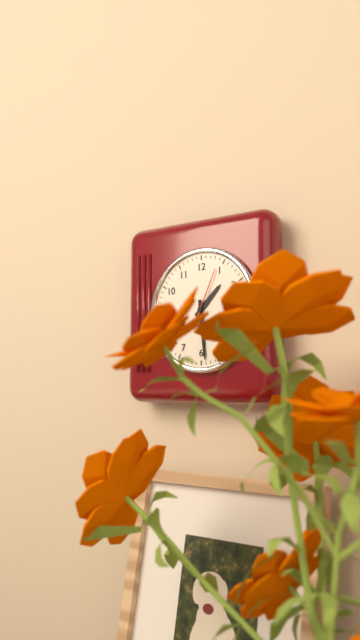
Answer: h=1 m=29 s=4
